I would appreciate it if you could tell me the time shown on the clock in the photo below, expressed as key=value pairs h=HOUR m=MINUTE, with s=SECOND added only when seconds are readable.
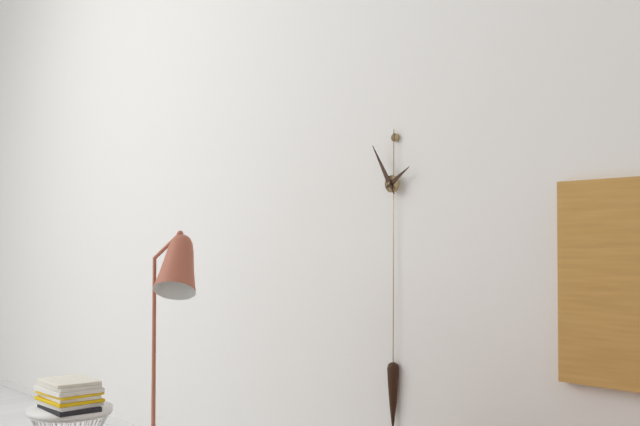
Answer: h=1 m=55
